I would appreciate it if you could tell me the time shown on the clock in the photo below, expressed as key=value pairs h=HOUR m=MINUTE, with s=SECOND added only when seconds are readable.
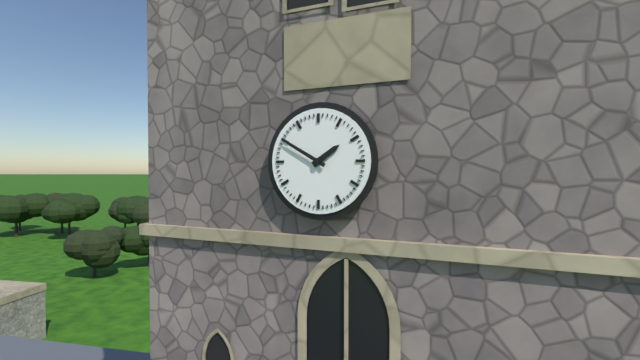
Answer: h=1 m=50
